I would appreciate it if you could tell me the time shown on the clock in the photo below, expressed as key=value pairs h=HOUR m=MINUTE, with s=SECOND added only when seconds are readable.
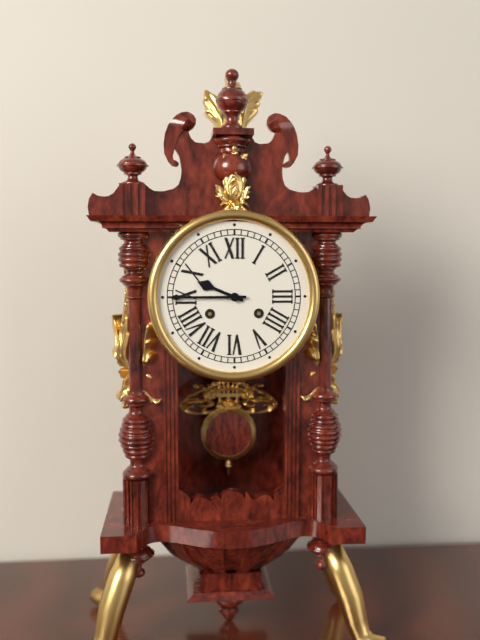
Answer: h=9 m=45
